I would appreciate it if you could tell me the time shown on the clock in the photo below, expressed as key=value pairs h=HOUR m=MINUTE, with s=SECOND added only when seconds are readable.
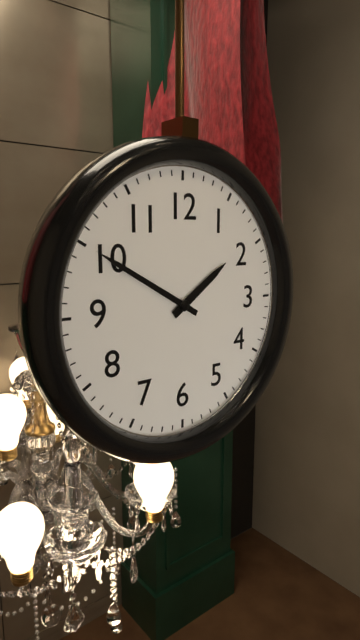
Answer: h=1 m=50
